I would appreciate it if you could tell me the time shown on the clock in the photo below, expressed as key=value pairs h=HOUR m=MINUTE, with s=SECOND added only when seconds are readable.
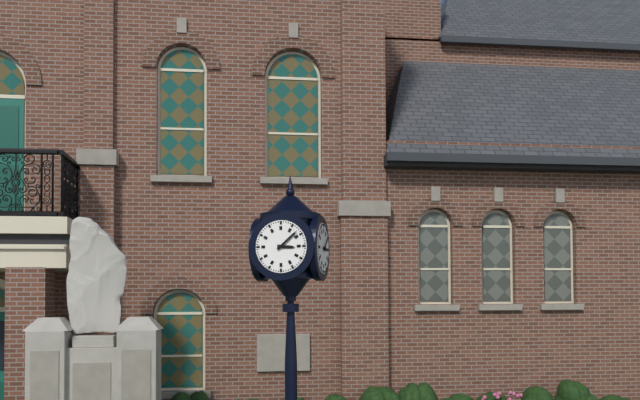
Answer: h=3 m=8
